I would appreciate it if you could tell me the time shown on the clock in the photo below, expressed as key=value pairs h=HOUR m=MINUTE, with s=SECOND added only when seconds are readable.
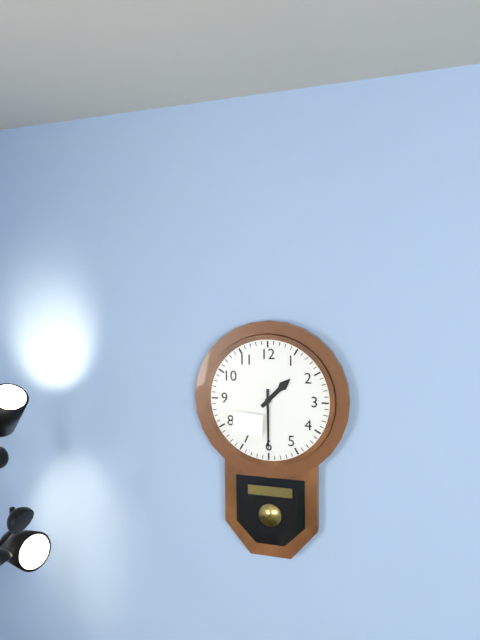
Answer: h=1 m=30
